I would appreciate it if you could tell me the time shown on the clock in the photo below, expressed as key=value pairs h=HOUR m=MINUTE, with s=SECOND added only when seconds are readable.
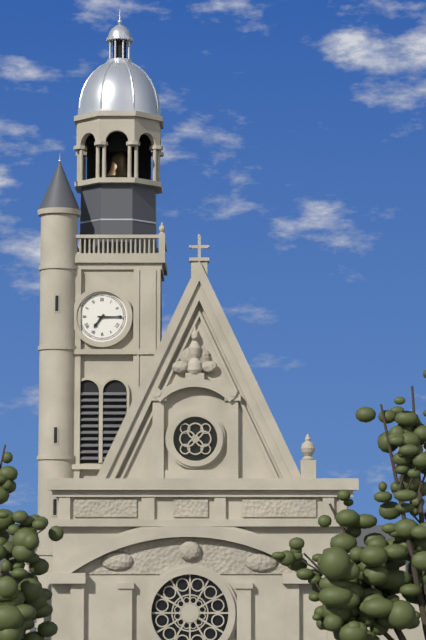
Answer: h=7 m=15
